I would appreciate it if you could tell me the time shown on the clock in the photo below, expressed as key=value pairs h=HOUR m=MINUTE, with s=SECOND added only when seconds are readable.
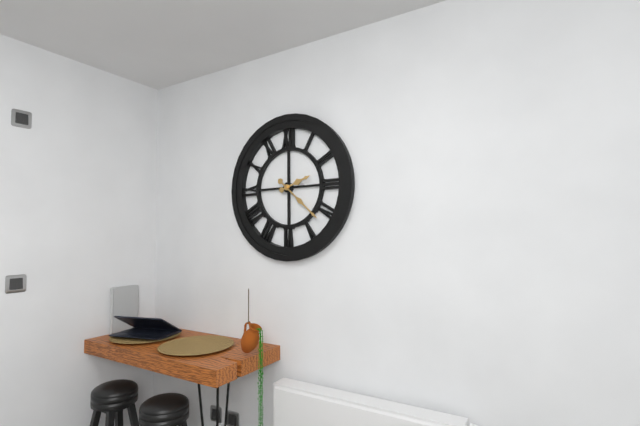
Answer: h=2 m=22
